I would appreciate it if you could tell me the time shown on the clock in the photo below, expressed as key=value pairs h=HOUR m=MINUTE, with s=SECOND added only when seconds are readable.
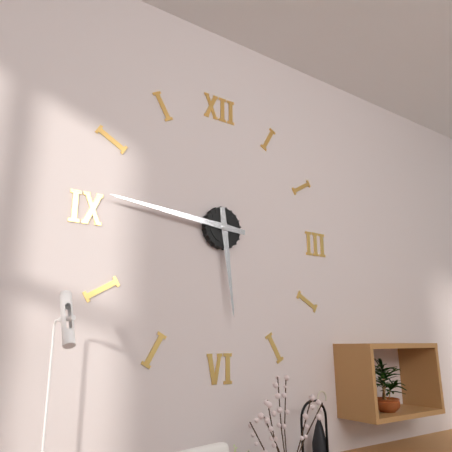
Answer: h=5 m=46
